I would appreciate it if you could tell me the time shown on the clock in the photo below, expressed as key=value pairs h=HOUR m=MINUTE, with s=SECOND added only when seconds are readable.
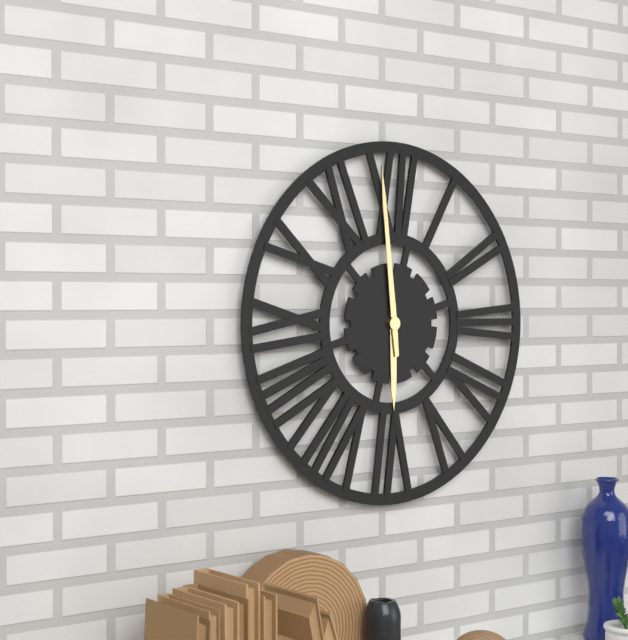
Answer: h=5 m=59
